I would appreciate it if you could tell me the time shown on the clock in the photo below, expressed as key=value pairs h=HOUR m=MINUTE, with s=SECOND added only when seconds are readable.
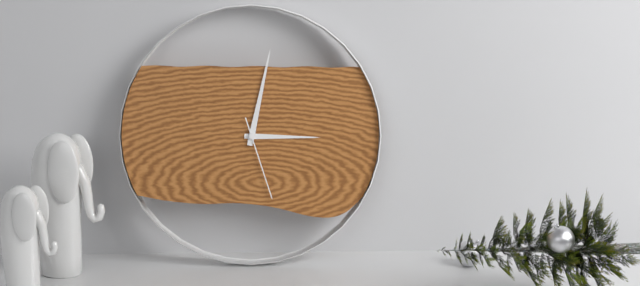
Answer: h=3 m=2 s=27
